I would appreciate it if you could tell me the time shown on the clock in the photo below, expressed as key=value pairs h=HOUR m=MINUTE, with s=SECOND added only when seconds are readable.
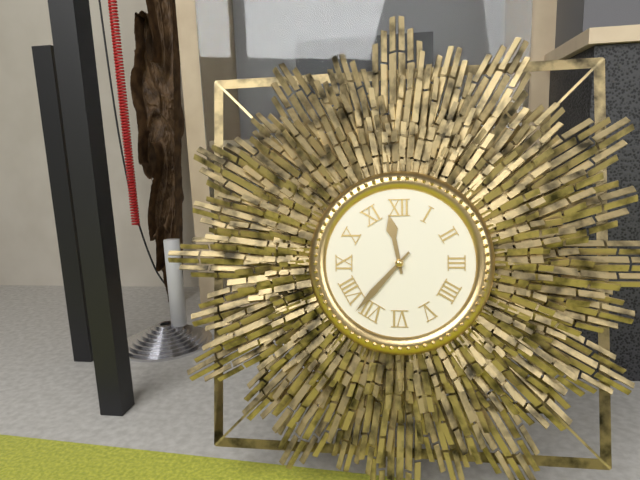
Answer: h=11 m=37
